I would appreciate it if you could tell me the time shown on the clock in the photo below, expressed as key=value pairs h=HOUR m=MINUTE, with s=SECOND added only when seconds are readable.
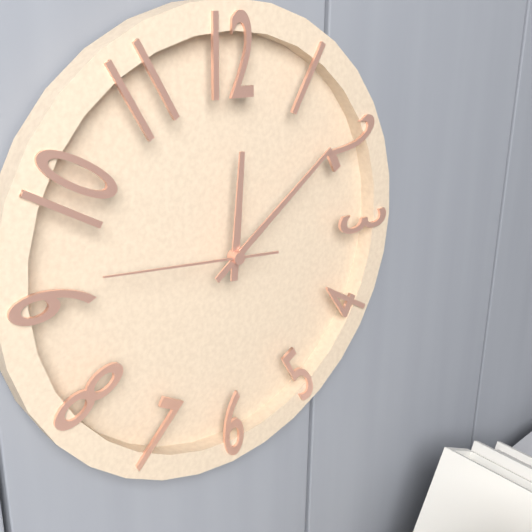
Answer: h=12 m=9 s=46
